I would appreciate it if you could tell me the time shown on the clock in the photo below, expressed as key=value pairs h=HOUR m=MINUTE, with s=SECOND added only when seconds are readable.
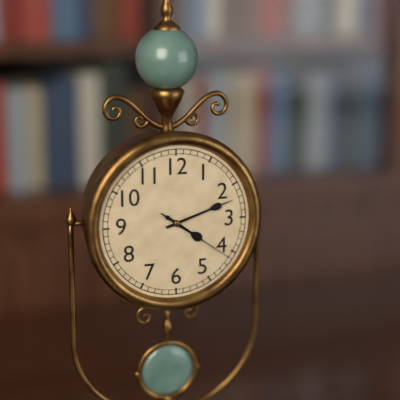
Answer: h=4 m=12 s=21
